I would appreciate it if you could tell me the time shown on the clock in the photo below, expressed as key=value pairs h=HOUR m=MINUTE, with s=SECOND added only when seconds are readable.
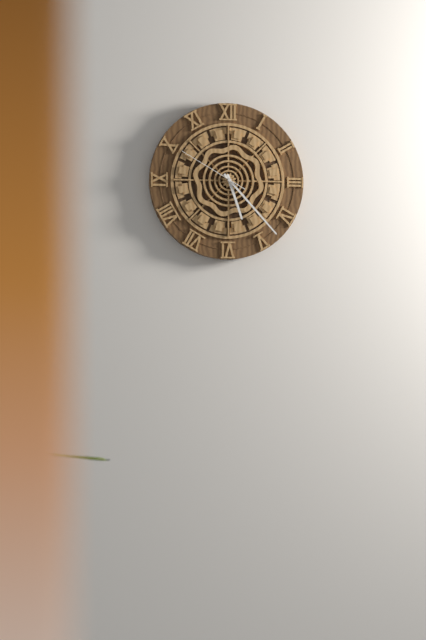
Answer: h=5 m=23 s=50
